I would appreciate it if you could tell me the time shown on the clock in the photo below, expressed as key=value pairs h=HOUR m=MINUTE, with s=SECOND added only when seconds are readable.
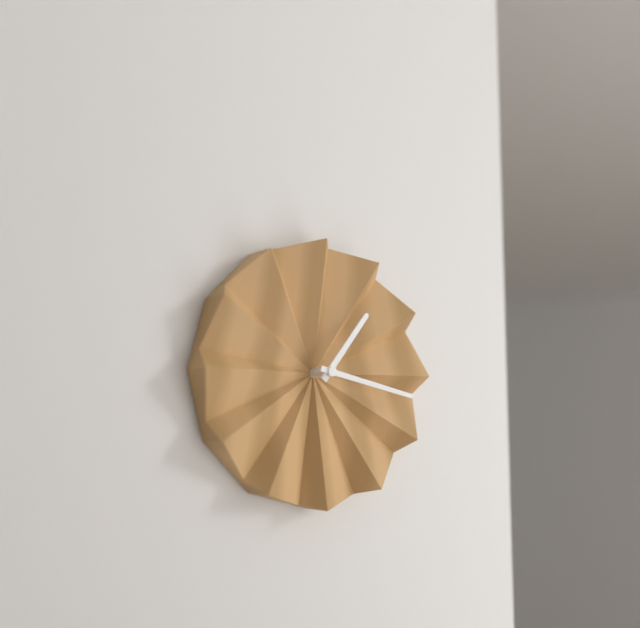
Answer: h=1 m=17
